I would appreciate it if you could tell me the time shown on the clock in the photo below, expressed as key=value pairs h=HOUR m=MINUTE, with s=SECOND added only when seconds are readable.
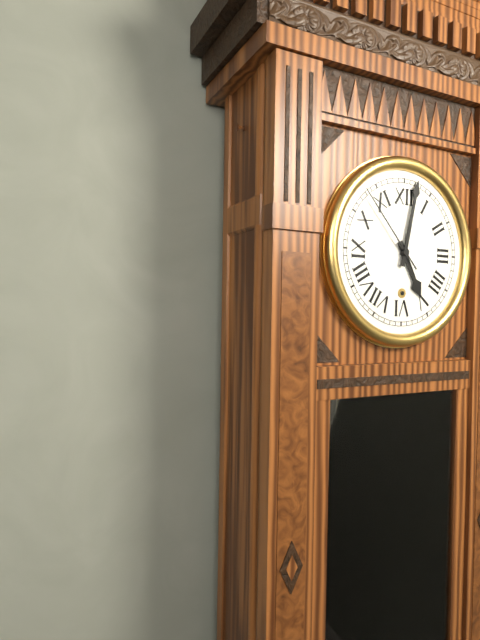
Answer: h=5 m=2 s=53
